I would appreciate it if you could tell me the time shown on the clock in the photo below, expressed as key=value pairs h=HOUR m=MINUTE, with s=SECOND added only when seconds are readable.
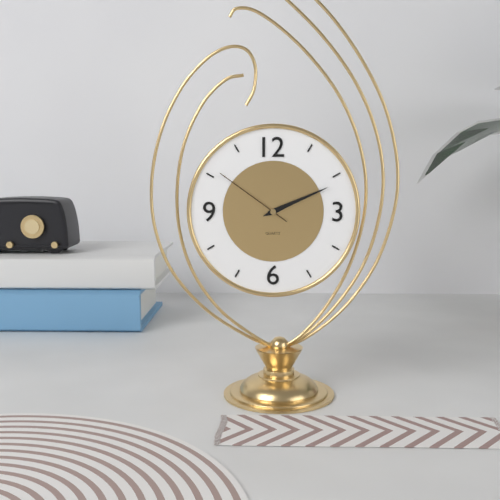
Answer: h=2 m=11 s=51
